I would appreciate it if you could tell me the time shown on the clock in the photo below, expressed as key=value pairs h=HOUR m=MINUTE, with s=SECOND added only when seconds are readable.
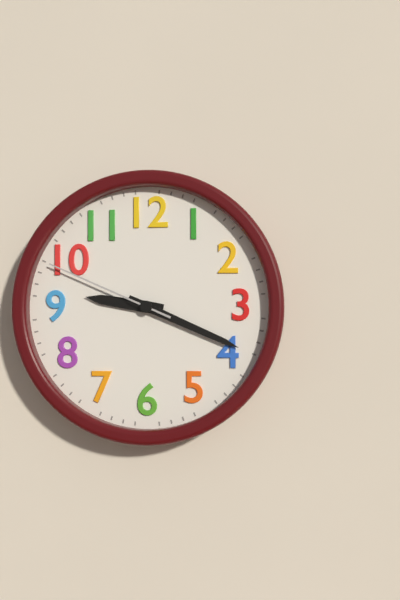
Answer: h=9 m=19 s=49
